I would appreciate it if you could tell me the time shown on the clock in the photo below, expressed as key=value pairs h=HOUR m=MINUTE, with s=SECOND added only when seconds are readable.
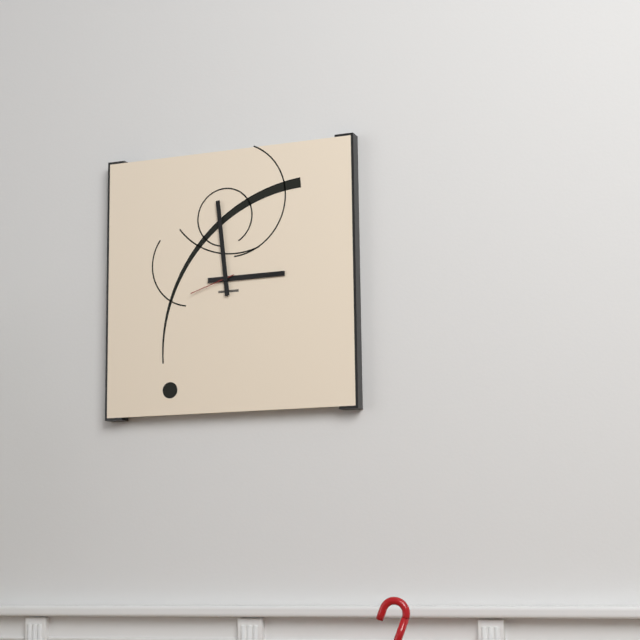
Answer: h=2 m=59
